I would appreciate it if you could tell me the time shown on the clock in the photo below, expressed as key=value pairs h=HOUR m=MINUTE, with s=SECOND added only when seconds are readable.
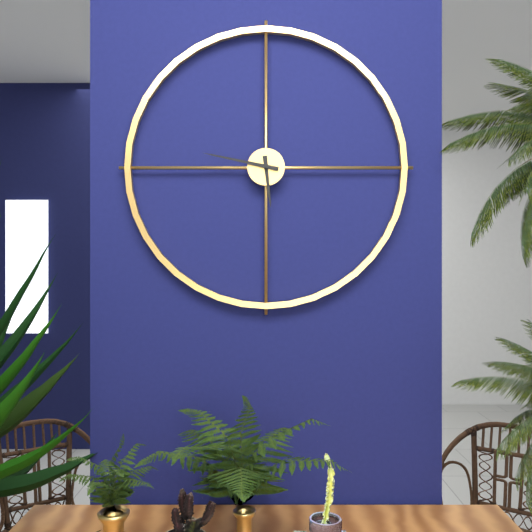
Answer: h=5 m=47
